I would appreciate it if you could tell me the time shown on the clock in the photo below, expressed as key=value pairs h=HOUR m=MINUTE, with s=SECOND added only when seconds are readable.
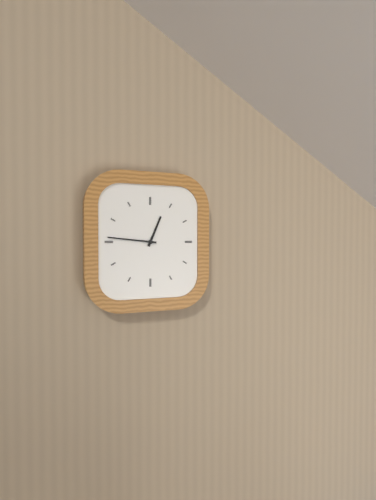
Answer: h=12 m=46
